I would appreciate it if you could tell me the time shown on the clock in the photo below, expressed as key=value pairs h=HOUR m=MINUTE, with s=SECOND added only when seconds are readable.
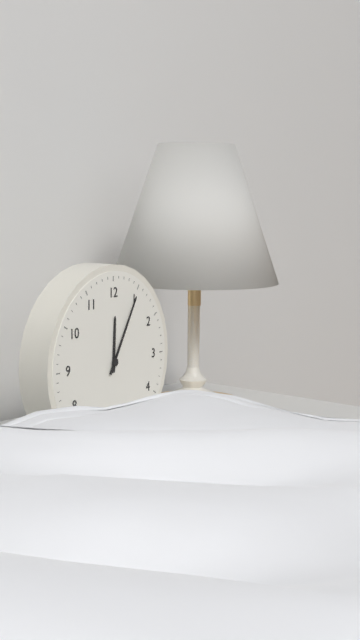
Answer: h=12 m=5
